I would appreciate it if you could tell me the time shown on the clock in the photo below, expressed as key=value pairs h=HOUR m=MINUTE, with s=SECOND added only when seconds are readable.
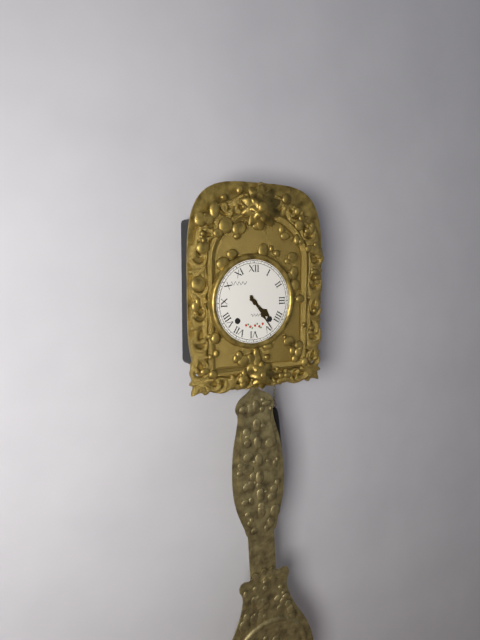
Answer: h=4 m=24
